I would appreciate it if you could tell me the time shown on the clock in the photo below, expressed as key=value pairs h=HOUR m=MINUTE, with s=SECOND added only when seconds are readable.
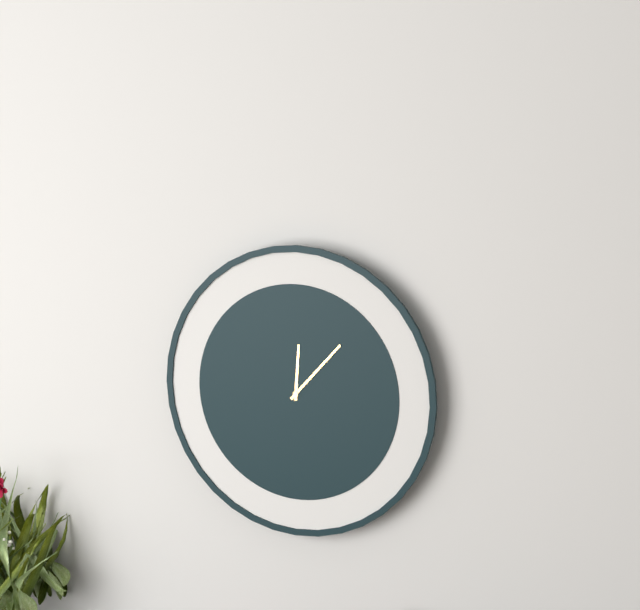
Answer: h=12 m=7
